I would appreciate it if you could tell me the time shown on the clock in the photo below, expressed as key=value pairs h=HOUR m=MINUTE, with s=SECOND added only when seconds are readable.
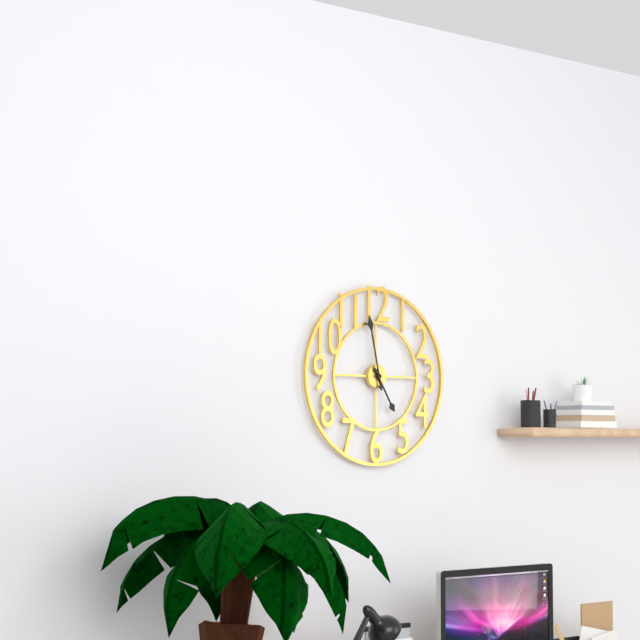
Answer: h=4 m=58
